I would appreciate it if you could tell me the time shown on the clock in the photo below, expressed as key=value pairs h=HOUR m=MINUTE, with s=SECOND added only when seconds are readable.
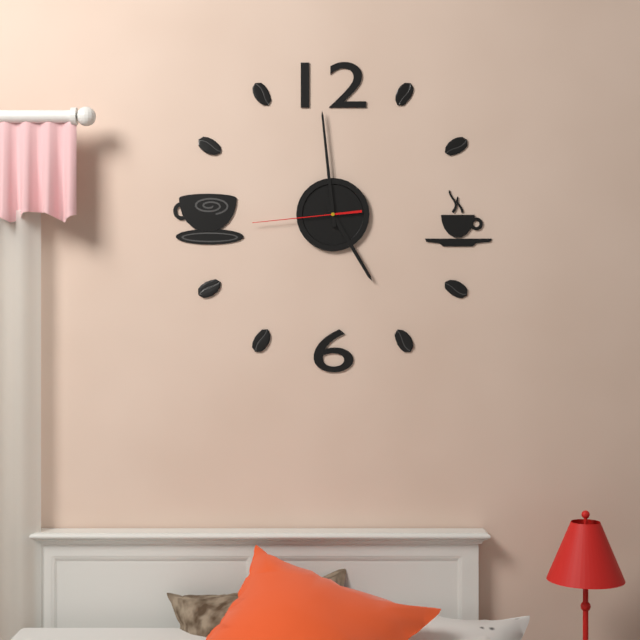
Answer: h=4 m=59 s=44
